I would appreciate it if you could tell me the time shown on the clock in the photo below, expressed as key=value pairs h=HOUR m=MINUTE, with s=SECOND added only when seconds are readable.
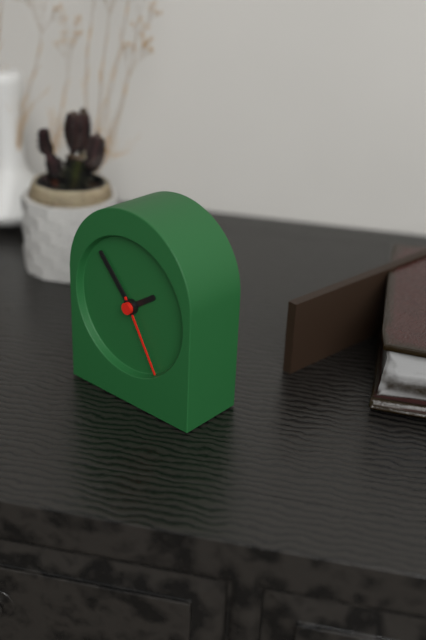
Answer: h=1 m=53 s=25
